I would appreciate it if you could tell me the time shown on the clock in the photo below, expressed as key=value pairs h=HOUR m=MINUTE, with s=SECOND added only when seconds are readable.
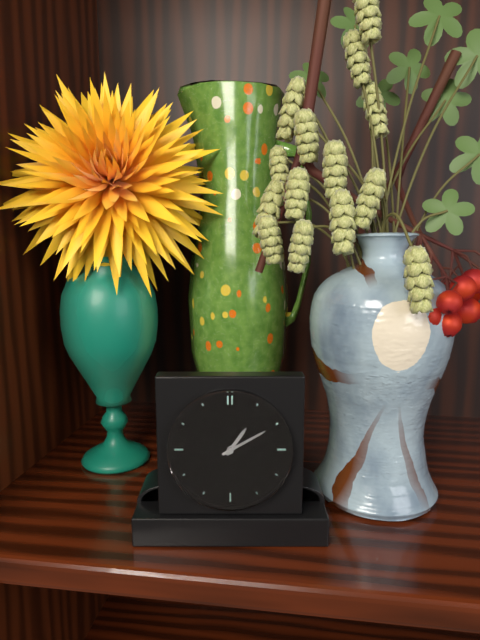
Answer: h=1 m=10
